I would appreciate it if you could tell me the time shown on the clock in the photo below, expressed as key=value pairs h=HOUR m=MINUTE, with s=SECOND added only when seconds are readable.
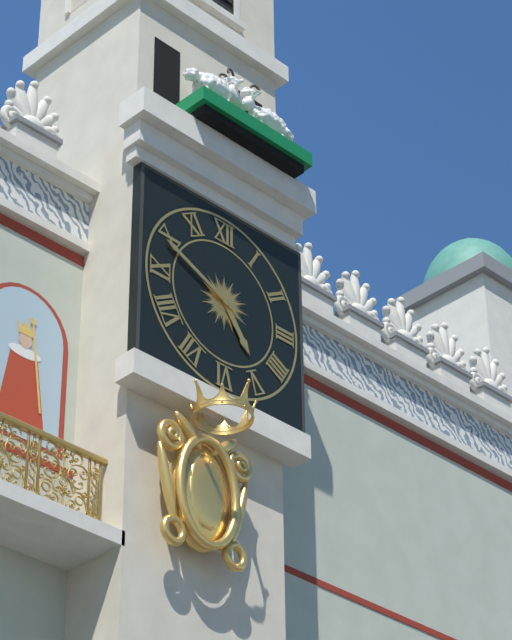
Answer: h=4 m=49
